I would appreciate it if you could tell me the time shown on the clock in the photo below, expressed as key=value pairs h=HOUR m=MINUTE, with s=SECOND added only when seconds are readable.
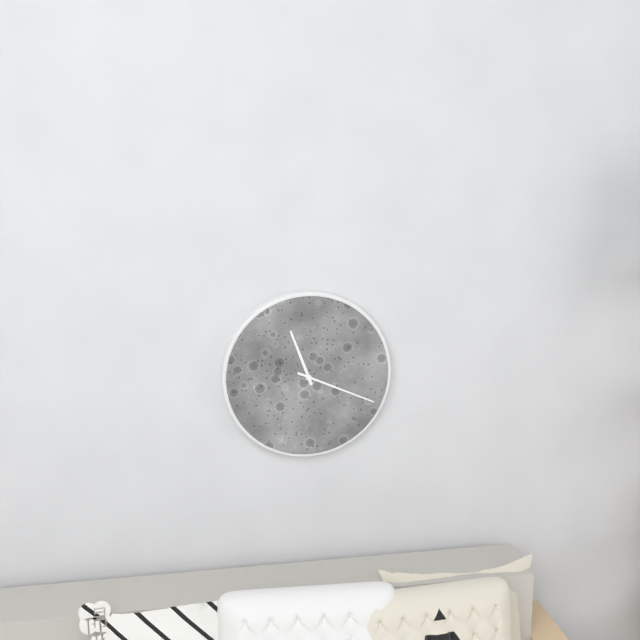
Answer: h=11 m=19
